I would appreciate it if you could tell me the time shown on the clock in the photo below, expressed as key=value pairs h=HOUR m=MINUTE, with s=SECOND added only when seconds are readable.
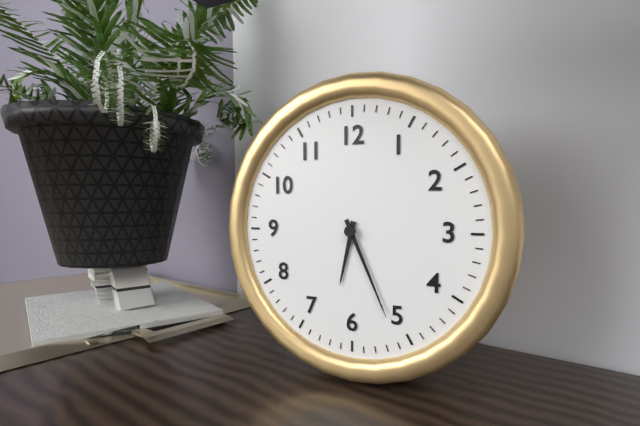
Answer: h=6 m=26
